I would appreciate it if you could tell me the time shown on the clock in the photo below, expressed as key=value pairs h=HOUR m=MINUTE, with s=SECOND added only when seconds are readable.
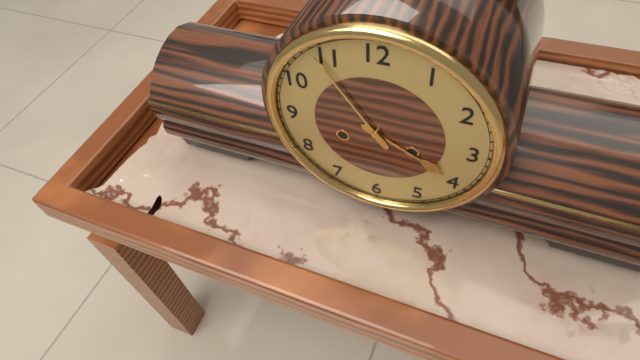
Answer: h=3 m=54
